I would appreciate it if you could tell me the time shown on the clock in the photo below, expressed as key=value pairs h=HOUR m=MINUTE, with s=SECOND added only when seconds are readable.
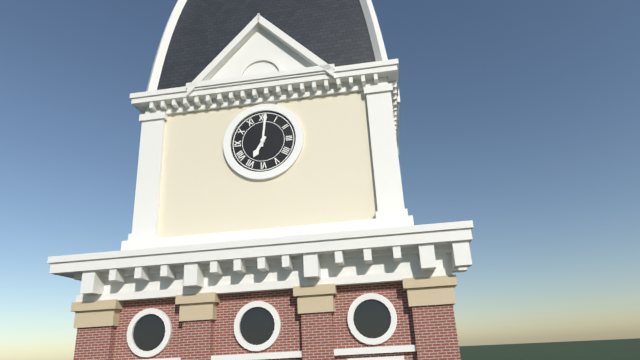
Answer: h=7 m=1
